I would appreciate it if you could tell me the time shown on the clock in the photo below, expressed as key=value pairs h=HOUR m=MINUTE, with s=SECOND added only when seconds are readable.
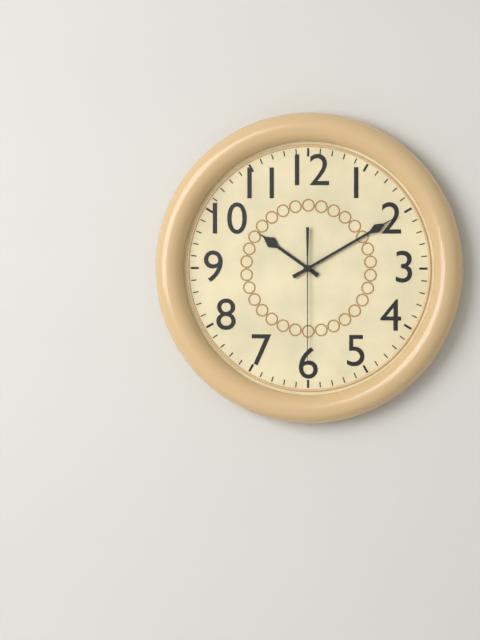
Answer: h=10 m=10 s=30
